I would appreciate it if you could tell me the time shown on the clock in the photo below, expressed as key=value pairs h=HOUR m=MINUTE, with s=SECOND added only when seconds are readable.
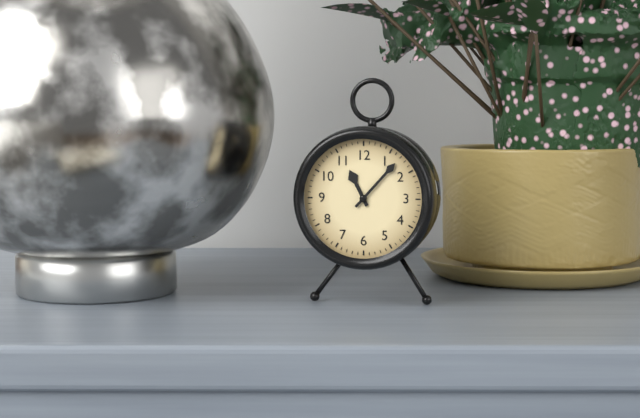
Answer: h=11 m=7
